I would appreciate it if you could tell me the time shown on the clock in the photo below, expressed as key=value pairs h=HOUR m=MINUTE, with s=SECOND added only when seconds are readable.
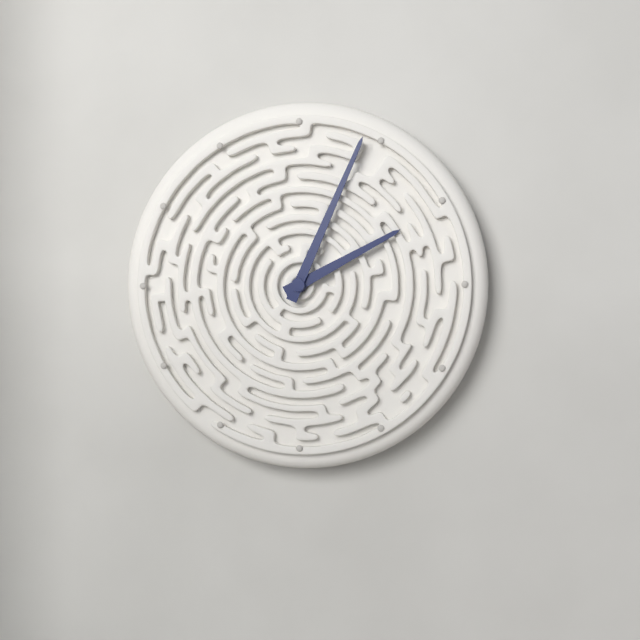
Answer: h=2 m=4
